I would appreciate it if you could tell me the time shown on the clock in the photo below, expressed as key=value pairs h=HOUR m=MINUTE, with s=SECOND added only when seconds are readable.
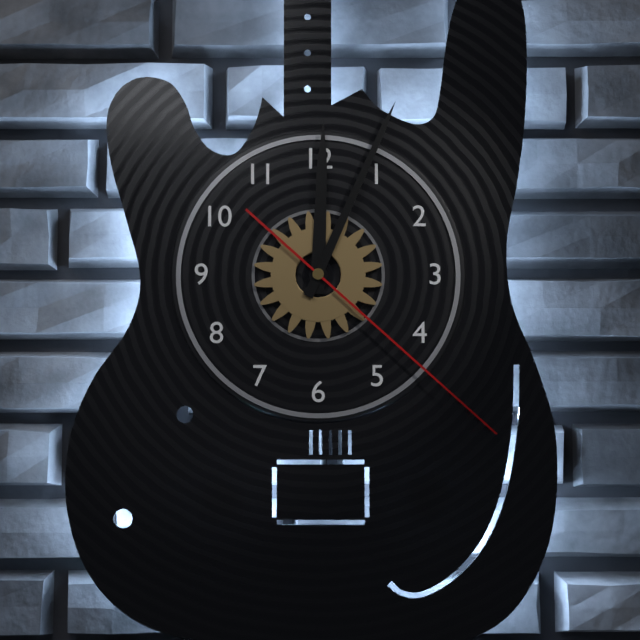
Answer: h=12 m=4 s=22
